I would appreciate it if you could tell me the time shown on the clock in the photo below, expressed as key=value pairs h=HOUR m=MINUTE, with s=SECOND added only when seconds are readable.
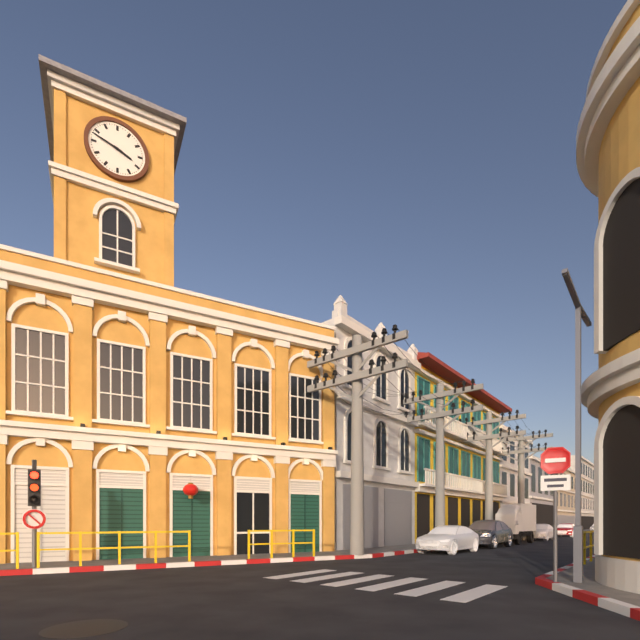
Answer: h=3 m=48
